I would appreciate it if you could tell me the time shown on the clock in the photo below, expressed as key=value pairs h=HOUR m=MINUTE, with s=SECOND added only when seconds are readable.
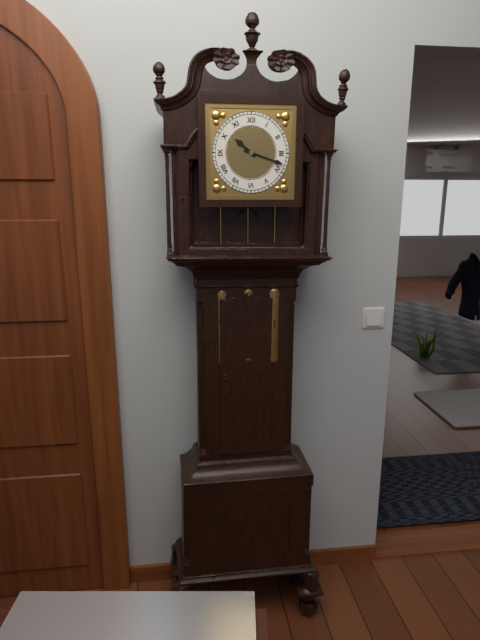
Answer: h=10 m=18
